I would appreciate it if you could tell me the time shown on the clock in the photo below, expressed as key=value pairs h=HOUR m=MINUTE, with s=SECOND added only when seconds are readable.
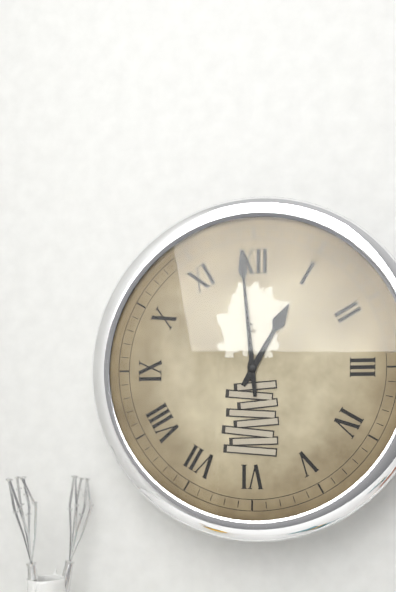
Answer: h=12 m=59
